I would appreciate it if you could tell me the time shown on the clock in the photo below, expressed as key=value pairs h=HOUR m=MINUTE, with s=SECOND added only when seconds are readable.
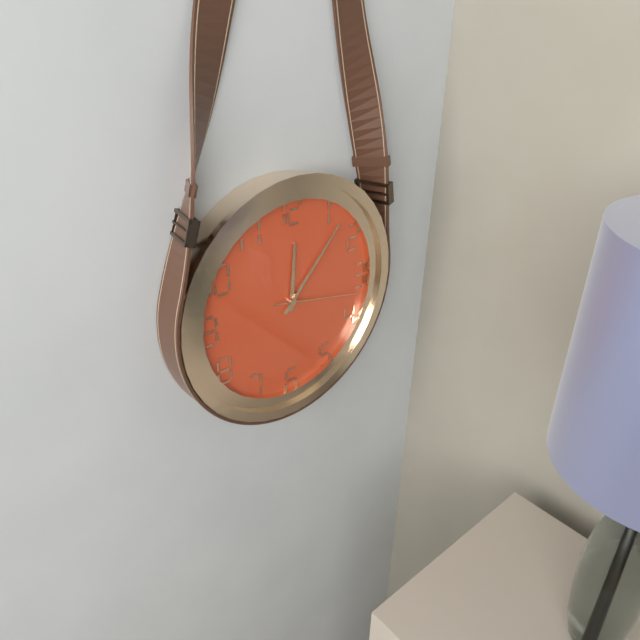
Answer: h=12 m=7 s=17
